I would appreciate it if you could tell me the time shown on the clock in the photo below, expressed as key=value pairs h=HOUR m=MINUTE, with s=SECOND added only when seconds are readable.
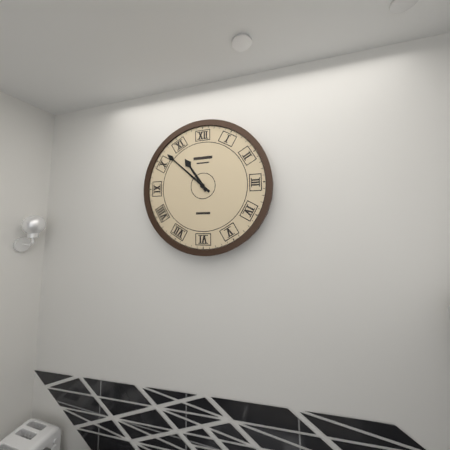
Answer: h=10 m=52
